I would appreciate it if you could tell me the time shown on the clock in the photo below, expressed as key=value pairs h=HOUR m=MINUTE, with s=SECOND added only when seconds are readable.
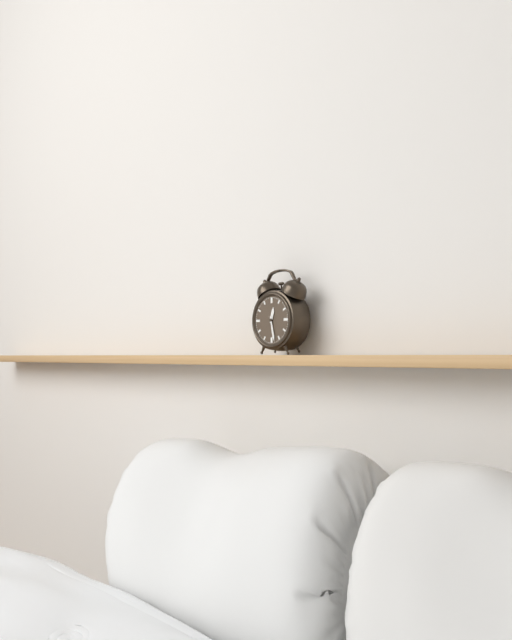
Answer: h=12 m=28
